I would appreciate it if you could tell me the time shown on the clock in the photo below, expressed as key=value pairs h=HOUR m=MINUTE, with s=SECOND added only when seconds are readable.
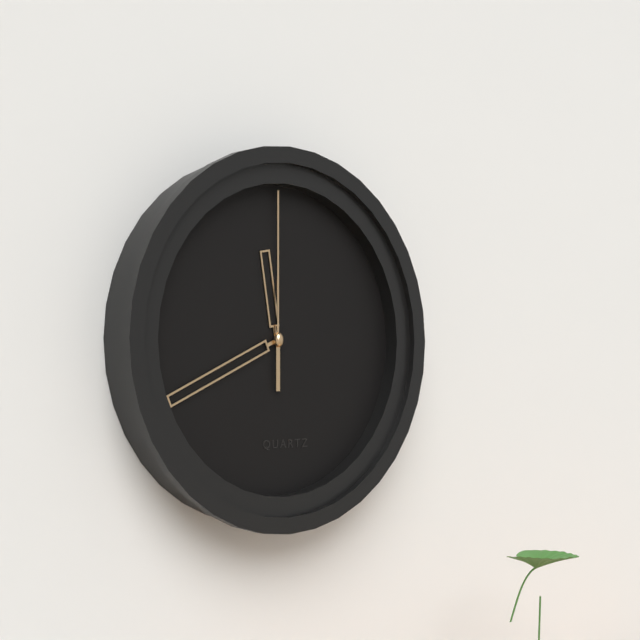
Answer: h=11 m=41 s=0
